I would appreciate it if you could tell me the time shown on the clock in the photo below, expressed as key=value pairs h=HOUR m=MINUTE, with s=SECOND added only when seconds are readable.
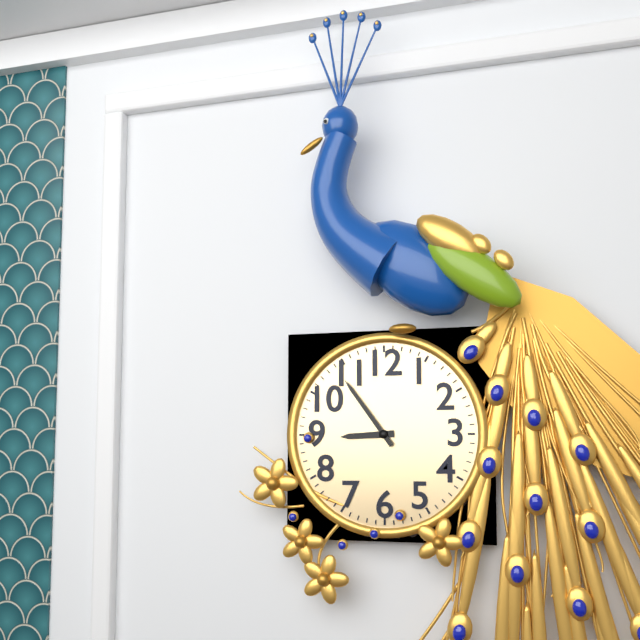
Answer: h=8 m=54
